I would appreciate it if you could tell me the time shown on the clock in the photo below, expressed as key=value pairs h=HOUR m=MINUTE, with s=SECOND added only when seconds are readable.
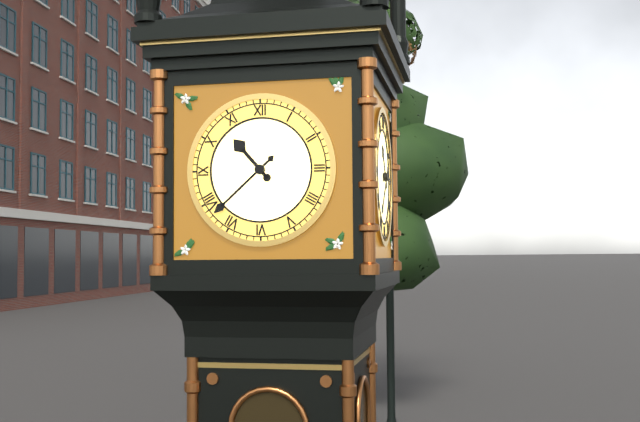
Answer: h=10 m=38
